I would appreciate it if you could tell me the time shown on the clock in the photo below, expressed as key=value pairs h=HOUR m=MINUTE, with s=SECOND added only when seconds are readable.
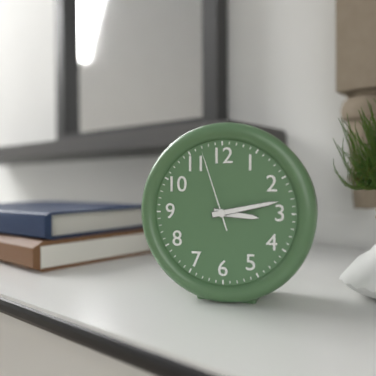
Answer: h=3 m=13 s=57
